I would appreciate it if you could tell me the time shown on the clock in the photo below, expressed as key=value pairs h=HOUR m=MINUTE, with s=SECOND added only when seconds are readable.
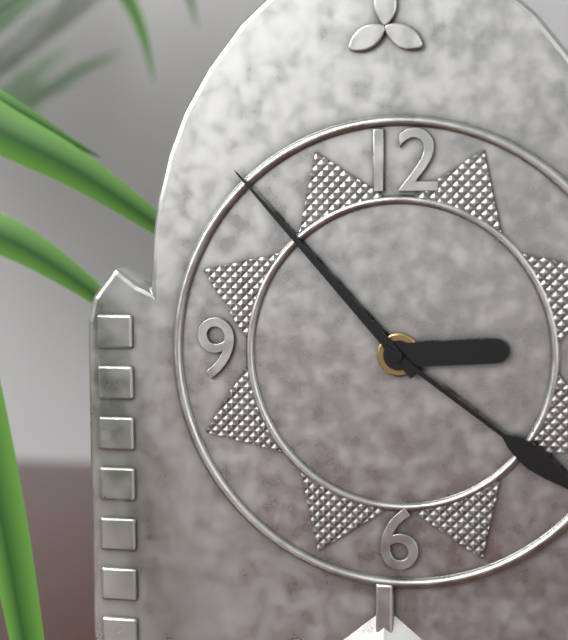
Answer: h=2 m=53
